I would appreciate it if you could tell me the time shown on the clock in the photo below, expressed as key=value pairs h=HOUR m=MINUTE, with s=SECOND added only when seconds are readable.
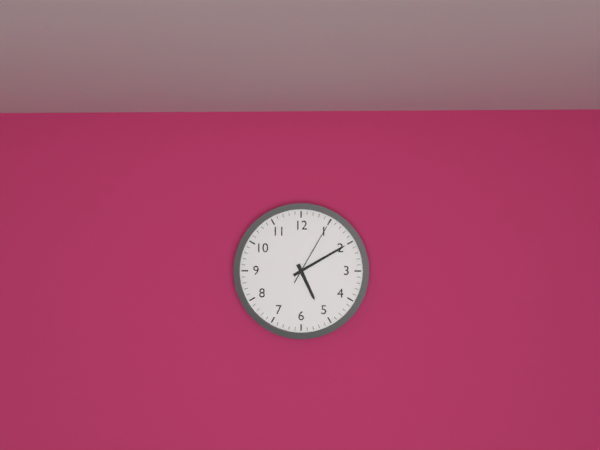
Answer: h=5 m=10 s=5
